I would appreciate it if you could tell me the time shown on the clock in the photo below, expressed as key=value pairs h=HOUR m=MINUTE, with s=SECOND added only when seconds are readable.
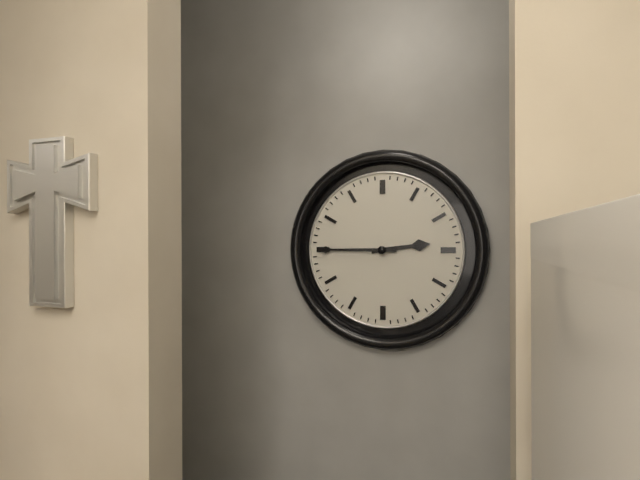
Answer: h=2 m=45
